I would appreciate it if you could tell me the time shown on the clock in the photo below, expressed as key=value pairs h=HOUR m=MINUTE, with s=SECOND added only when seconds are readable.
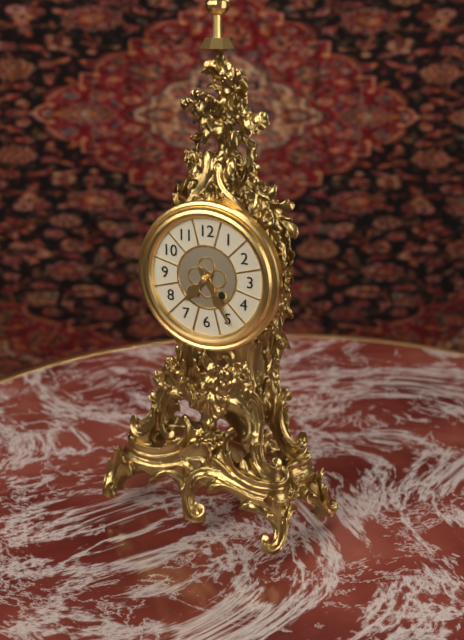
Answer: h=7 m=25
